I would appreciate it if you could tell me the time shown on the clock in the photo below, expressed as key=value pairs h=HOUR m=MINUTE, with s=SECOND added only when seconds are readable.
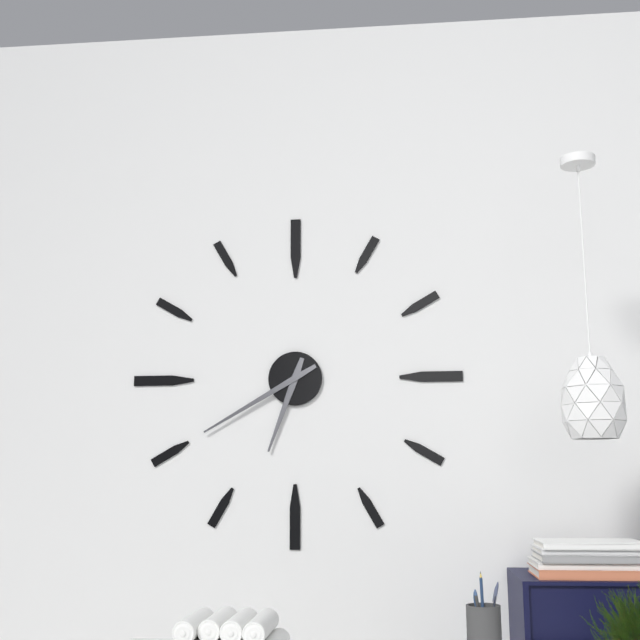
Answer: h=6 m=40
